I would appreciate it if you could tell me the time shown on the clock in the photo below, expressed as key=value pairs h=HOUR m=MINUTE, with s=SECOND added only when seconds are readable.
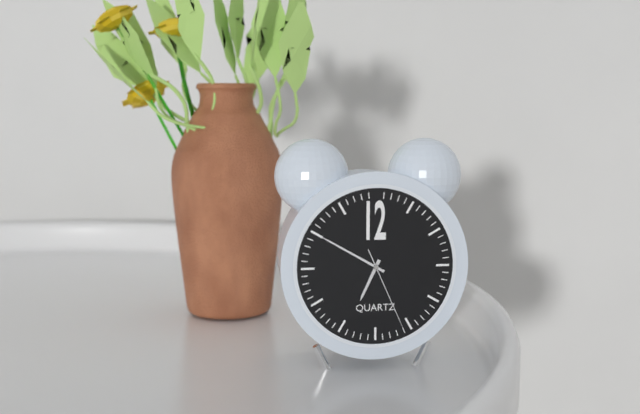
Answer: h=6 m=50 s=26
